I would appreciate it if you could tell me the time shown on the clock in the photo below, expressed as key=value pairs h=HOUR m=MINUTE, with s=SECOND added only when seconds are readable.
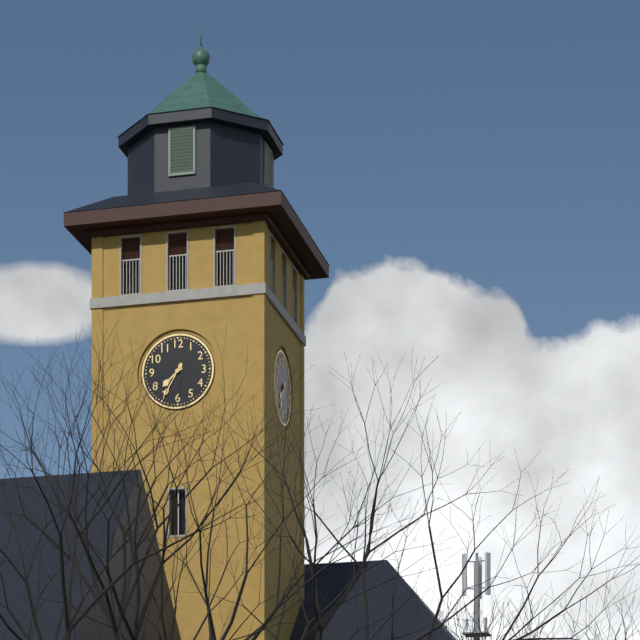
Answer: h=7 m=35
